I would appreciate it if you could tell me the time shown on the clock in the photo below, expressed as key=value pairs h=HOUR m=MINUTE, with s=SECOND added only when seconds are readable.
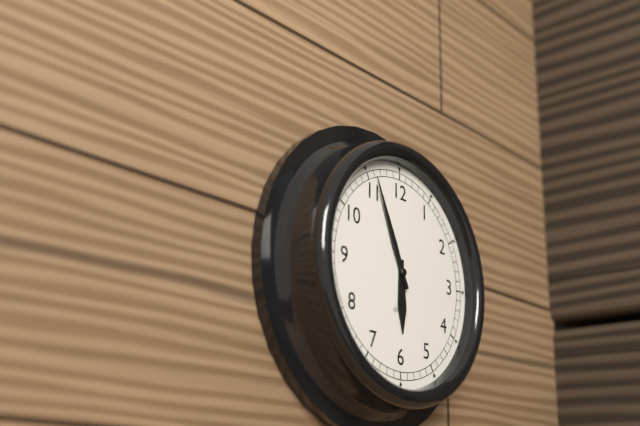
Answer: h=5 m=56
